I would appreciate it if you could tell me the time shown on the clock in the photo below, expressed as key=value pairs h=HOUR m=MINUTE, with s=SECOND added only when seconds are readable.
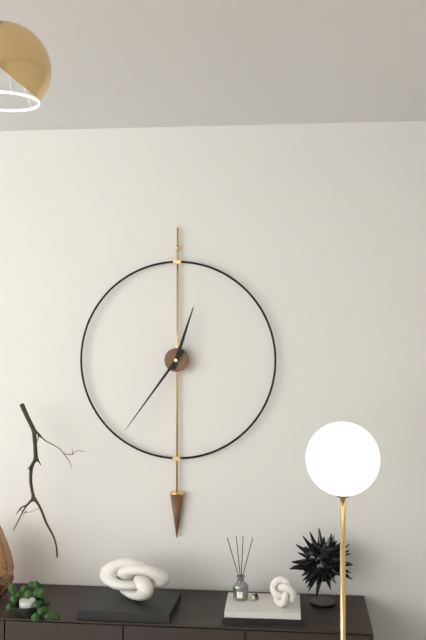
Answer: h=12 m=36
